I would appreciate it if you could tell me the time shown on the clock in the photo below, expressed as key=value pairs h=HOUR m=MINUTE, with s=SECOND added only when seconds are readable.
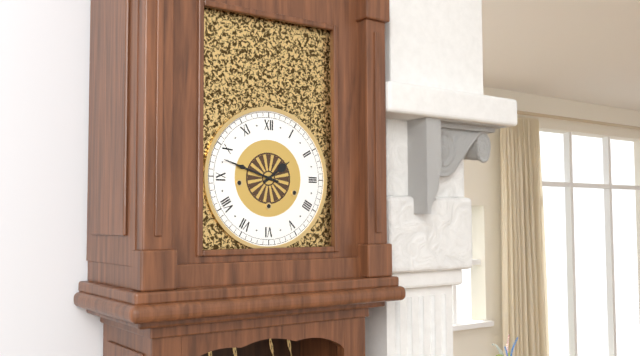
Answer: h=1 m=48
